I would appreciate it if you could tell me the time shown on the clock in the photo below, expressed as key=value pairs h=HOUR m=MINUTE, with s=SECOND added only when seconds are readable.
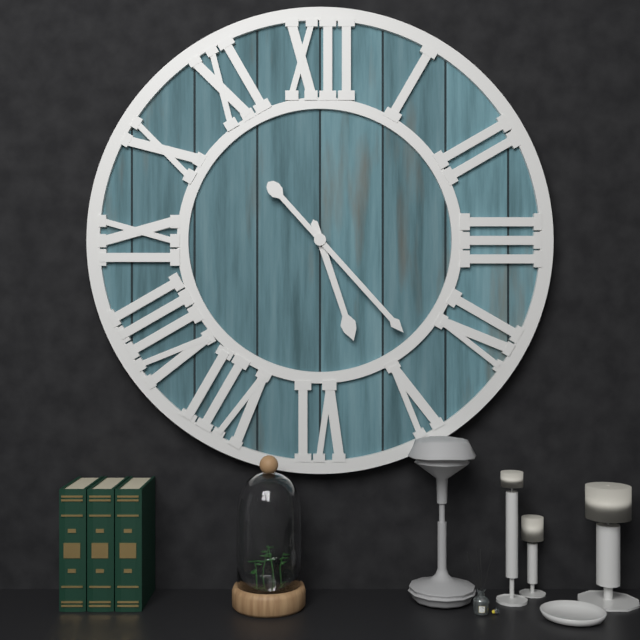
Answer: h=5 m=23
